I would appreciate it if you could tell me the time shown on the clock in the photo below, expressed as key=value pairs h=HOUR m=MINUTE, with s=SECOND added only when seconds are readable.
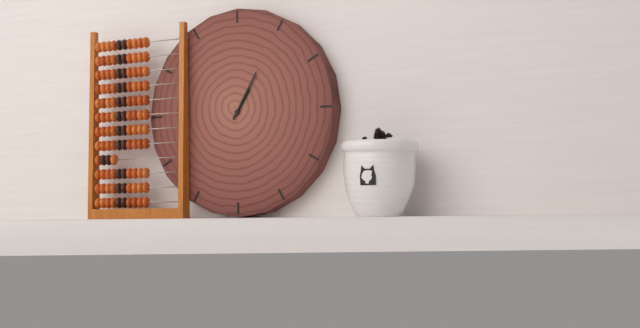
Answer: h=1 m=5
